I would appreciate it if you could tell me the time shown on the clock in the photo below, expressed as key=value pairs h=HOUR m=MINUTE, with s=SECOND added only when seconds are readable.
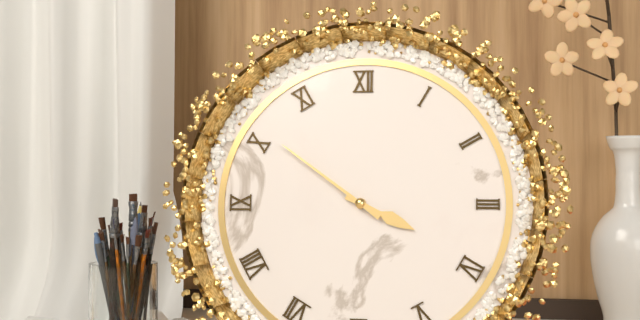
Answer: h=3 m=51
